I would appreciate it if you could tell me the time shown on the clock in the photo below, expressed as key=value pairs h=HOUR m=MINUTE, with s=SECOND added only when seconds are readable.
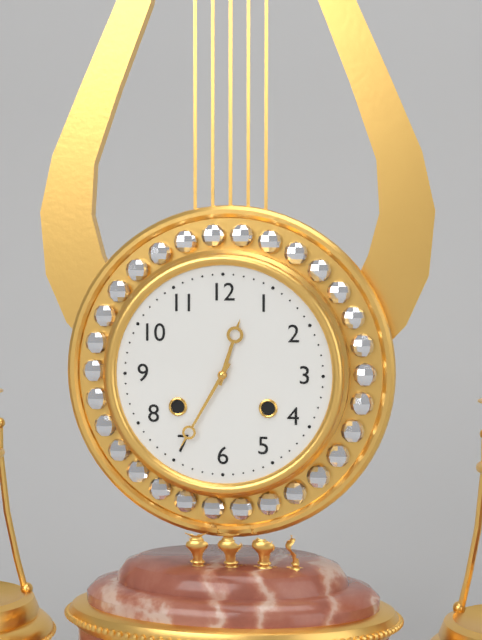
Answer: h=12 m=35
